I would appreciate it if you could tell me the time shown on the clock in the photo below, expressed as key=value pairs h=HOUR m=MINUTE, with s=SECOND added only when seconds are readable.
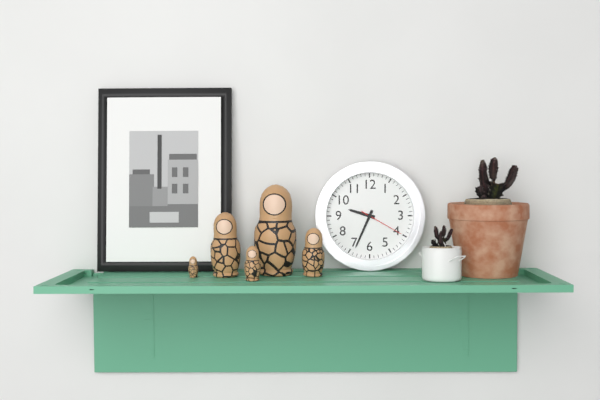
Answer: h=9 m=34
